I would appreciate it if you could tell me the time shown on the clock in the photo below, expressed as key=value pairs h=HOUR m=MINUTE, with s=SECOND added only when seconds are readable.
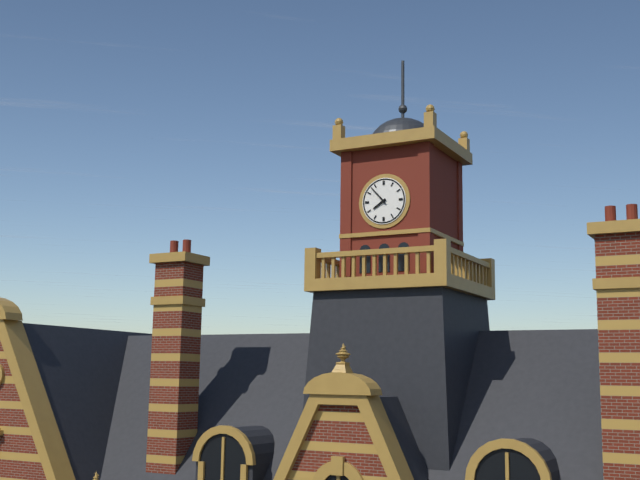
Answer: h=7 m=53
